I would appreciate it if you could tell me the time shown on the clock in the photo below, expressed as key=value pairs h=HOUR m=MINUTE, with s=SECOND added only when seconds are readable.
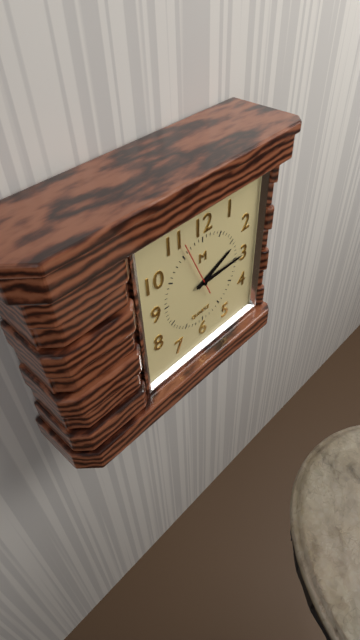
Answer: h=2 m=15 s=56
